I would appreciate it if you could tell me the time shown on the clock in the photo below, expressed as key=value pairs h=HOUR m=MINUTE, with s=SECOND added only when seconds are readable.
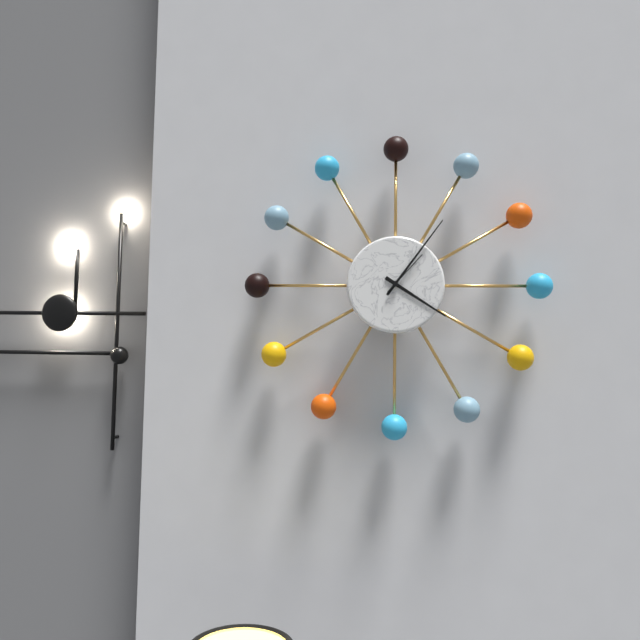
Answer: h=4 m=6 s=7
